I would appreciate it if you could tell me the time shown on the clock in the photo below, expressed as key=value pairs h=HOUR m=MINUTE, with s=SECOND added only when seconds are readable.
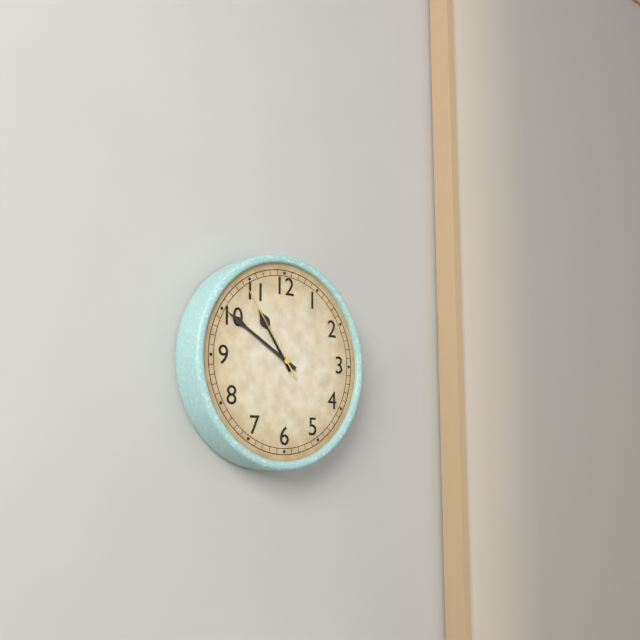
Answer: h=10 m=50 s=54
